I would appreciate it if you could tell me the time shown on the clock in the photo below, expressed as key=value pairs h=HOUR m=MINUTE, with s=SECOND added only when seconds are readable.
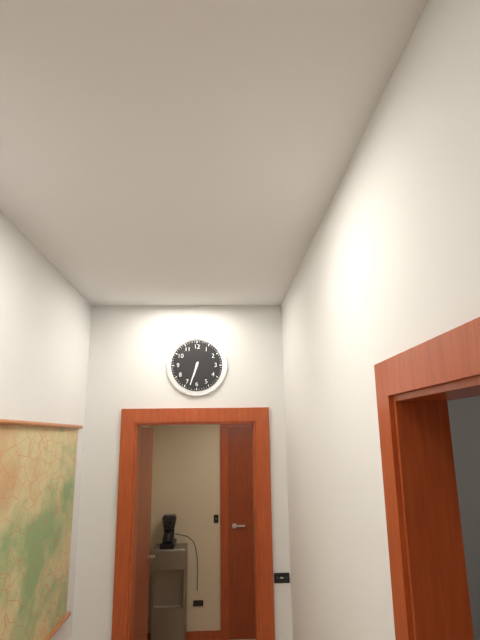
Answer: h=6 m=33
